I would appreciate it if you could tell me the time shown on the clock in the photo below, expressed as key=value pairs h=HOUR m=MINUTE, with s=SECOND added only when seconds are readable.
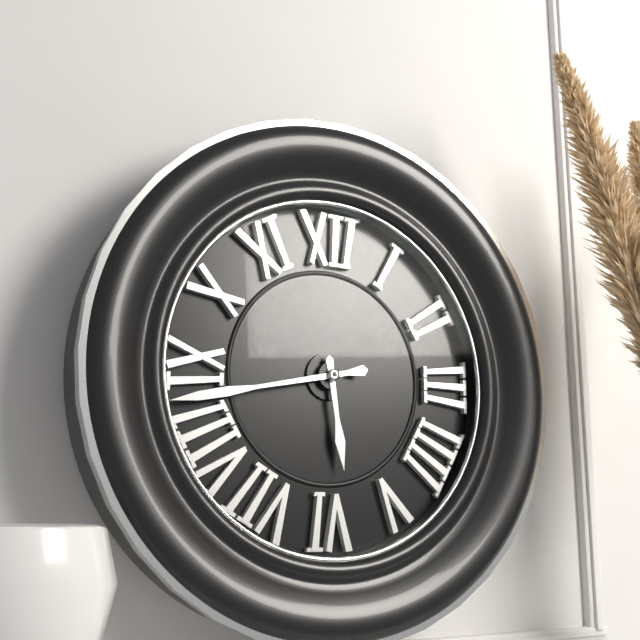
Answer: h=5 m=43
